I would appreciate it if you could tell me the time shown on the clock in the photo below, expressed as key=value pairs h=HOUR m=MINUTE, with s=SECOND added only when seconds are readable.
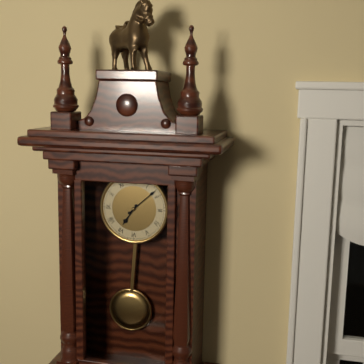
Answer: h=7 m=8
